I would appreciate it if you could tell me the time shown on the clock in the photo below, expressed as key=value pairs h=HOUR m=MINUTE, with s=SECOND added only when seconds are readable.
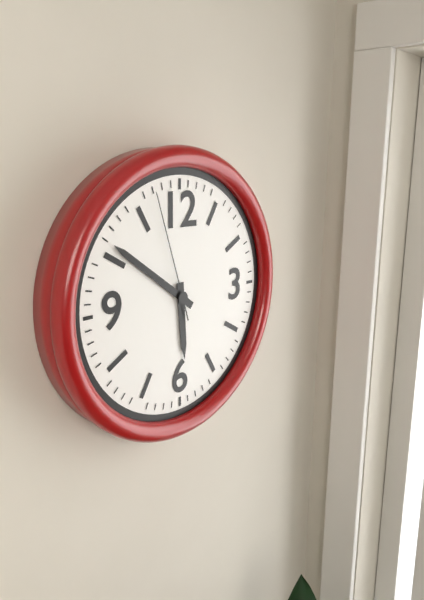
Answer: h=5 m=51 s=57
